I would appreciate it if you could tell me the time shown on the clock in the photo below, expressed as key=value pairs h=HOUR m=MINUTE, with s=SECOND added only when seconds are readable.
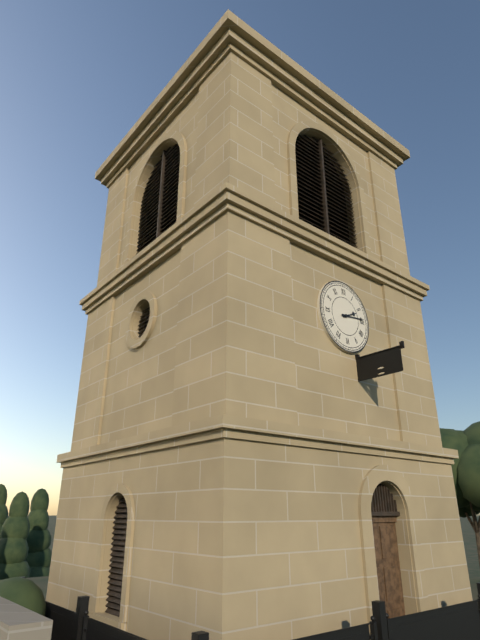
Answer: h=2 m=14
